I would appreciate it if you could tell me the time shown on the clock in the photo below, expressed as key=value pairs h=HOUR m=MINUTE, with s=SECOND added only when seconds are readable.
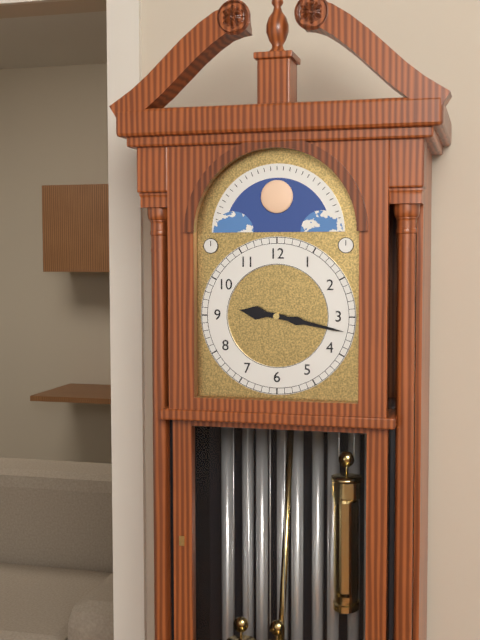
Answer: h=9 m=17
